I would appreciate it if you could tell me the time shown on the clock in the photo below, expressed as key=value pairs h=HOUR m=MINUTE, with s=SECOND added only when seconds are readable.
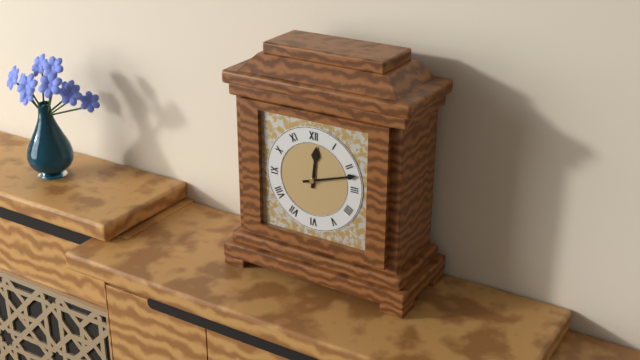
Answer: h=12 m=12
